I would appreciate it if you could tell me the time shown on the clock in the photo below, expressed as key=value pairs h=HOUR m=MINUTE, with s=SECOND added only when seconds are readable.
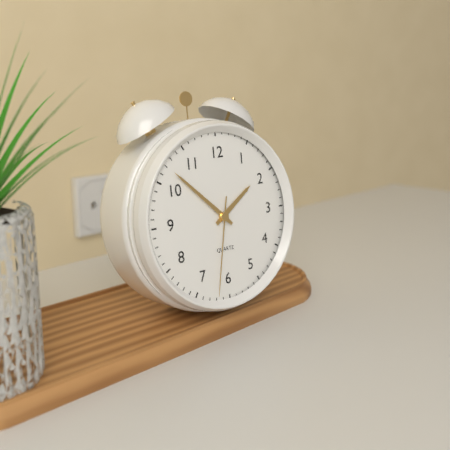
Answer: h=1 m=52 s=32
